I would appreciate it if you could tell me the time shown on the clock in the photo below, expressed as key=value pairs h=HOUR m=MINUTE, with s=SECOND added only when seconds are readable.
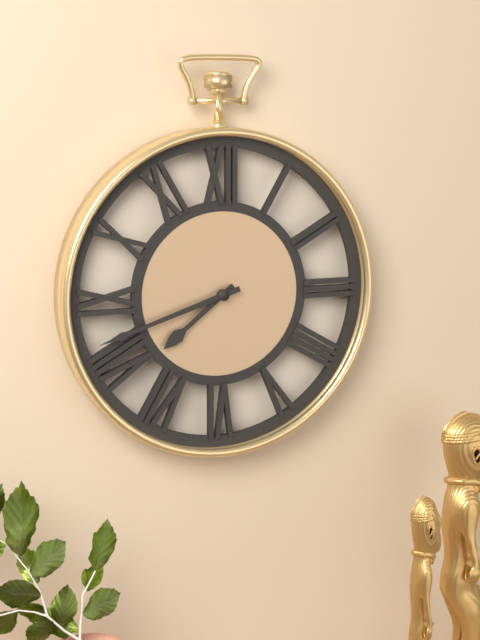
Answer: h=7 m=42
